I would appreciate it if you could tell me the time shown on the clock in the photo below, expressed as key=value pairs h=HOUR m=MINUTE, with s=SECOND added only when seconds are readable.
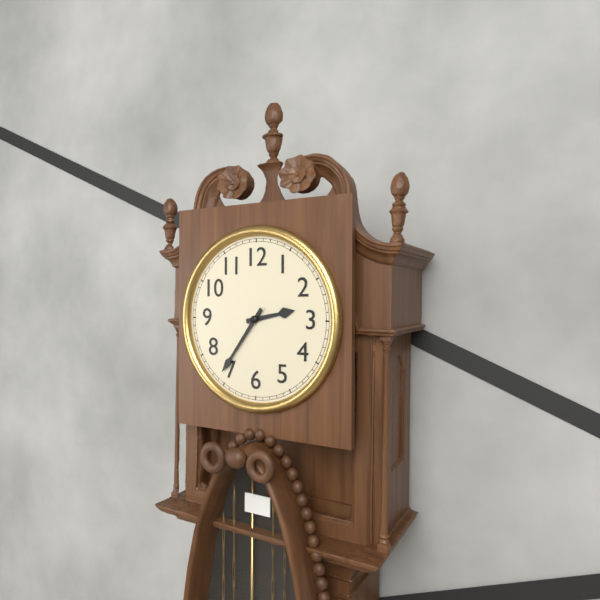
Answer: h=2 m=36
